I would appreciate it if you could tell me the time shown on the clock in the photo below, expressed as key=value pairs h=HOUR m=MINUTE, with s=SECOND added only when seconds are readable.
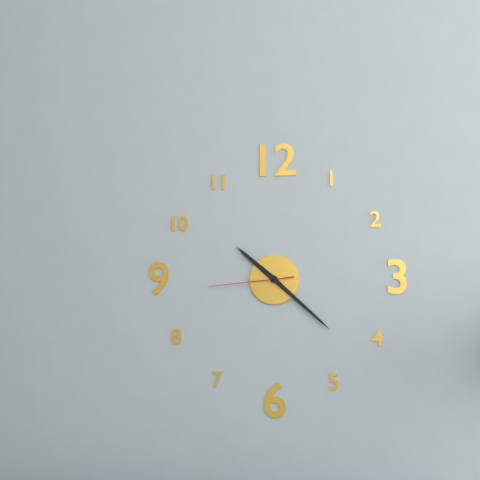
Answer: h=10 m=22 s=44
